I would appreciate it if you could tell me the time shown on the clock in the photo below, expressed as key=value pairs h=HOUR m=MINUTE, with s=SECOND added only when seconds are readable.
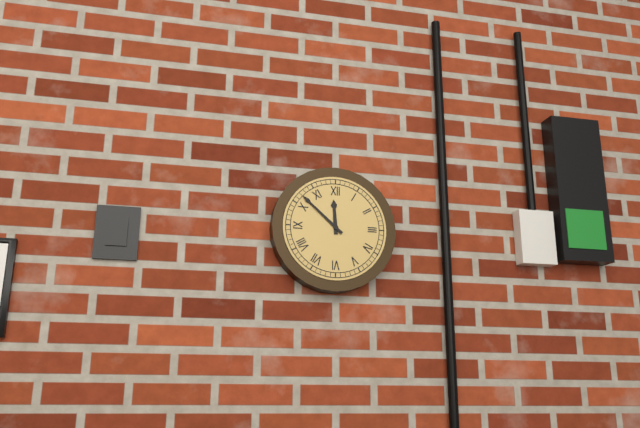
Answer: h=11 m=52
